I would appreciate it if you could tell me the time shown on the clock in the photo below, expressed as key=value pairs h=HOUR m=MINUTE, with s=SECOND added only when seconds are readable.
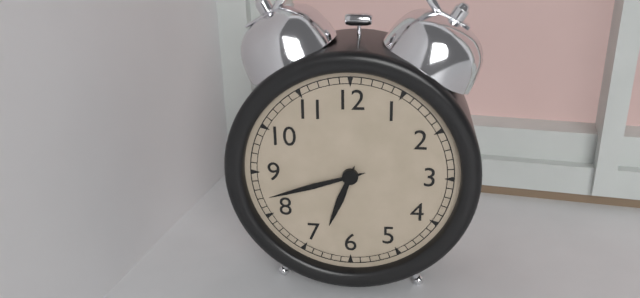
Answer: h=6 m=42
